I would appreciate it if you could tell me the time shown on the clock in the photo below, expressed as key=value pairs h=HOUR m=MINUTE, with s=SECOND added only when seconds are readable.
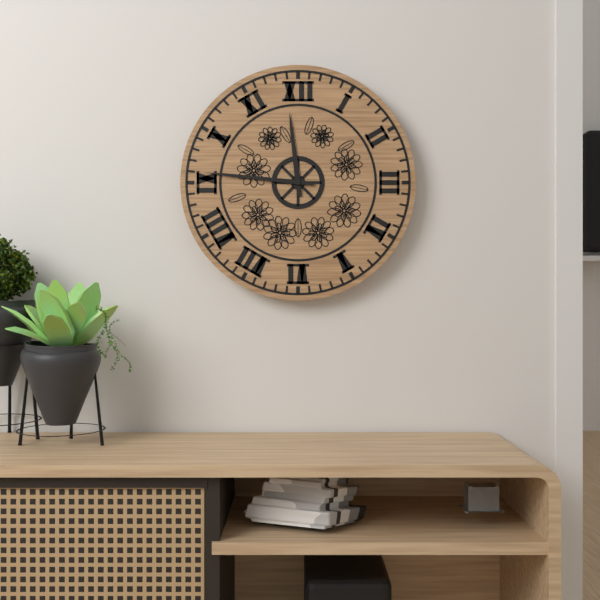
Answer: h=11 m=46
